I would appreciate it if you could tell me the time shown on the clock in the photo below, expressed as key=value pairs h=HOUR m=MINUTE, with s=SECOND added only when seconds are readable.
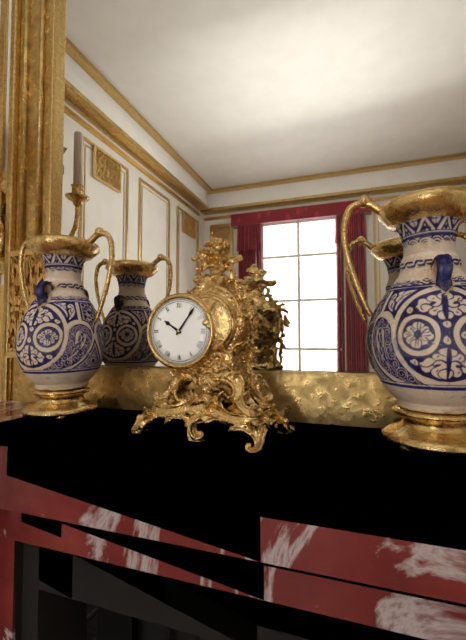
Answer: h=10 m=6
